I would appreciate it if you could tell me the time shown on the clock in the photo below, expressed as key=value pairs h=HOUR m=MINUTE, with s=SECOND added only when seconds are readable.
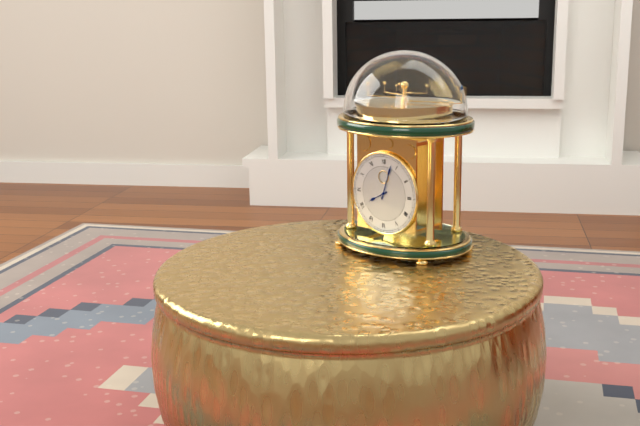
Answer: h=8 m=3
